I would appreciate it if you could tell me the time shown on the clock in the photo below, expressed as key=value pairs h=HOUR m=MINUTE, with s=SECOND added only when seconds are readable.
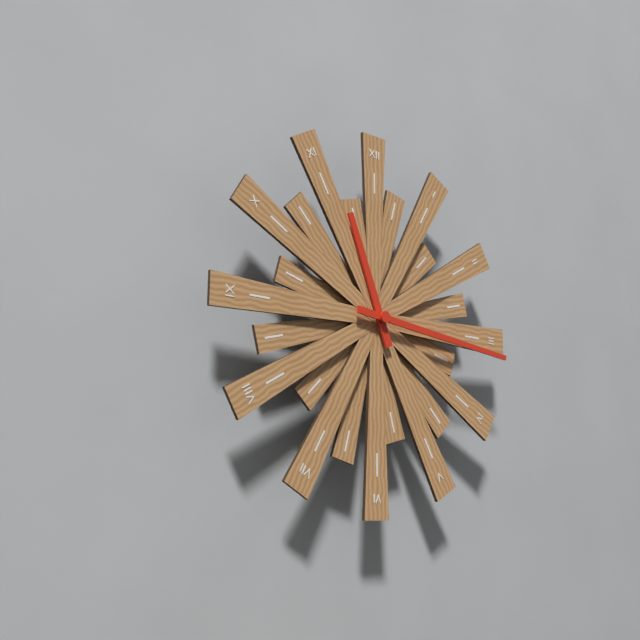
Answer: h=11 m=16
